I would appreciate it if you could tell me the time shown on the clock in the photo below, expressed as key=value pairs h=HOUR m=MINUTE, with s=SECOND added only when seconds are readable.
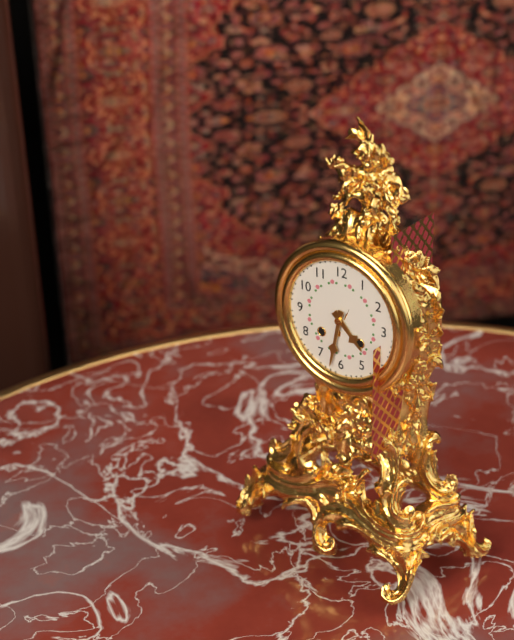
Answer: h=4 m=32
